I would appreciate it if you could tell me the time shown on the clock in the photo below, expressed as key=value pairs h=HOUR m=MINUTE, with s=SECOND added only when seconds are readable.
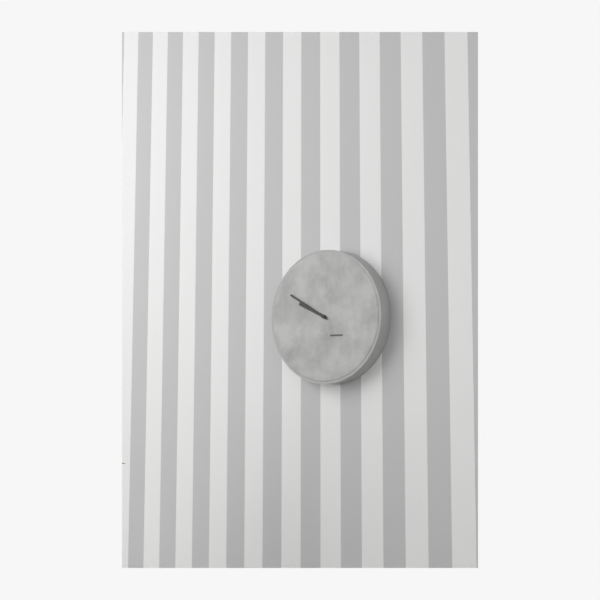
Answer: h=9 m=50
